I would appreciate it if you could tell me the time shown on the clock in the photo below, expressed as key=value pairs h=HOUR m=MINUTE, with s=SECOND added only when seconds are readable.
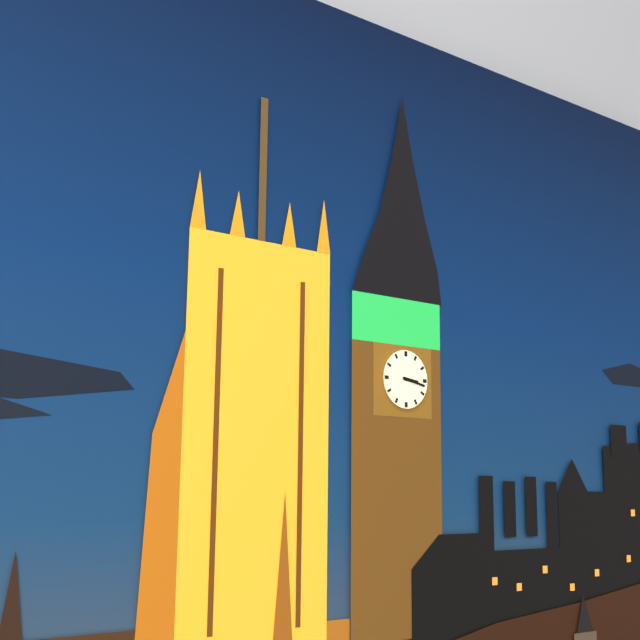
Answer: h=3 m=17
